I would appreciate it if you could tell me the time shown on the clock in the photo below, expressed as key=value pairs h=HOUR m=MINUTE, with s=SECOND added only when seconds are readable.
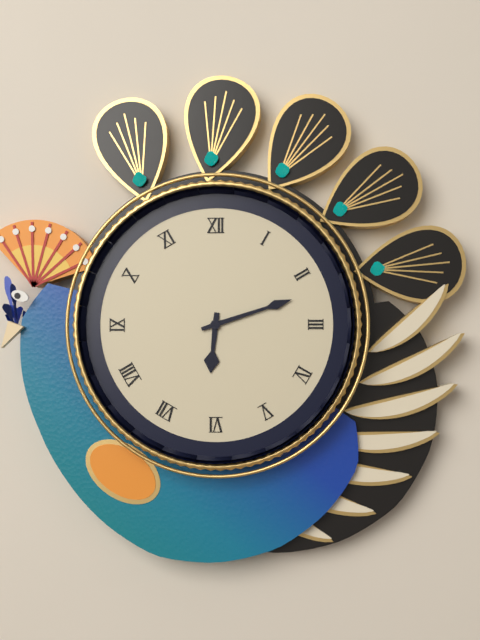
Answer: h=6 m=12
